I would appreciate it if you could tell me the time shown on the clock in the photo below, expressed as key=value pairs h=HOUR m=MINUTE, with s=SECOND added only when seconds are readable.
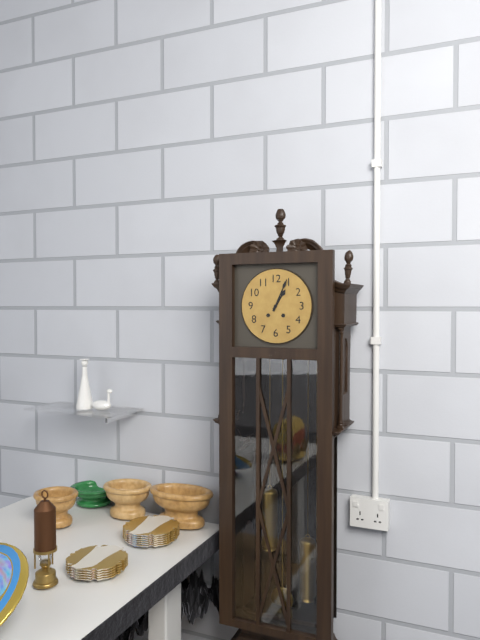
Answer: h=1 m=4
